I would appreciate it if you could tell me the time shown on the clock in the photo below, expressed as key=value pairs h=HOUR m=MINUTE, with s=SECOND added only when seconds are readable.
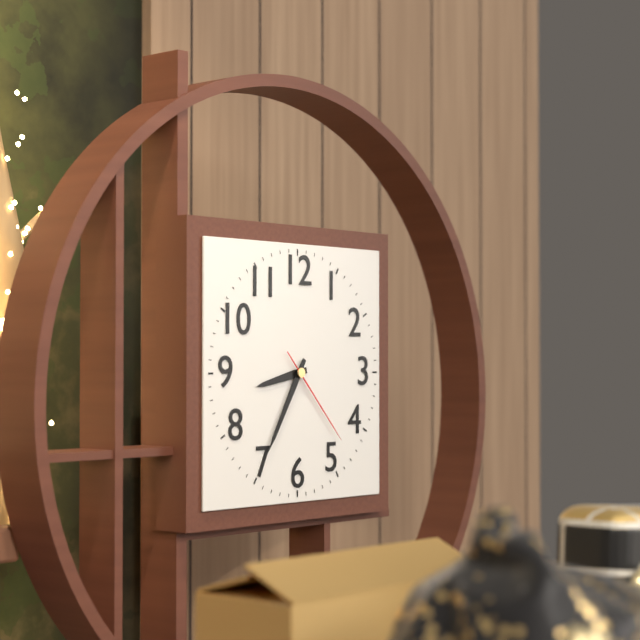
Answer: h=8 m=35 s=23
